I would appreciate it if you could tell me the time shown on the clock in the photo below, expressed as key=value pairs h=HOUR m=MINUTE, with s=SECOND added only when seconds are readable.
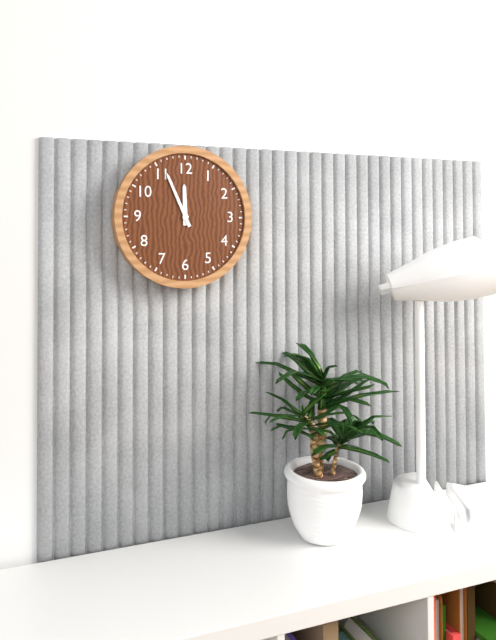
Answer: h=11 m=56
